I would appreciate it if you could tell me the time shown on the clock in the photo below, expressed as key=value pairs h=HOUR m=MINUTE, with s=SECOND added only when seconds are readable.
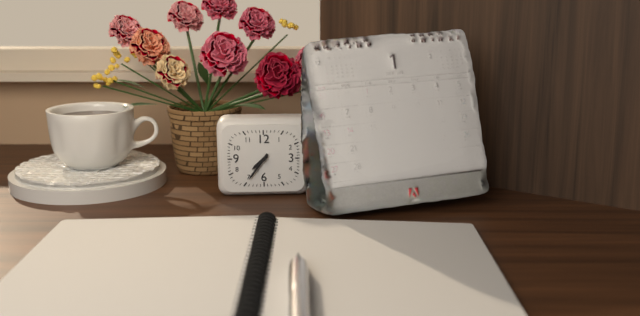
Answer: h=7 m=36
